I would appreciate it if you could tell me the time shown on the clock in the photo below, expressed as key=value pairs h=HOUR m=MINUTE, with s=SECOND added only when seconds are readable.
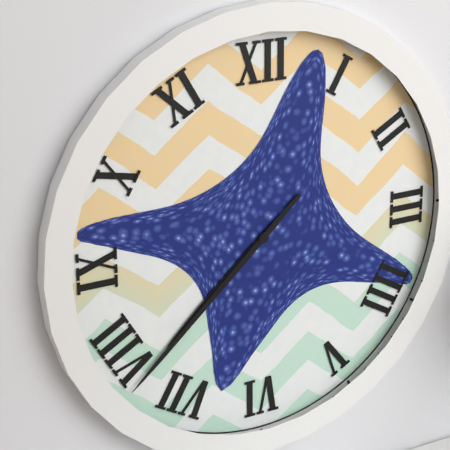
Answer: h=7 m=38
